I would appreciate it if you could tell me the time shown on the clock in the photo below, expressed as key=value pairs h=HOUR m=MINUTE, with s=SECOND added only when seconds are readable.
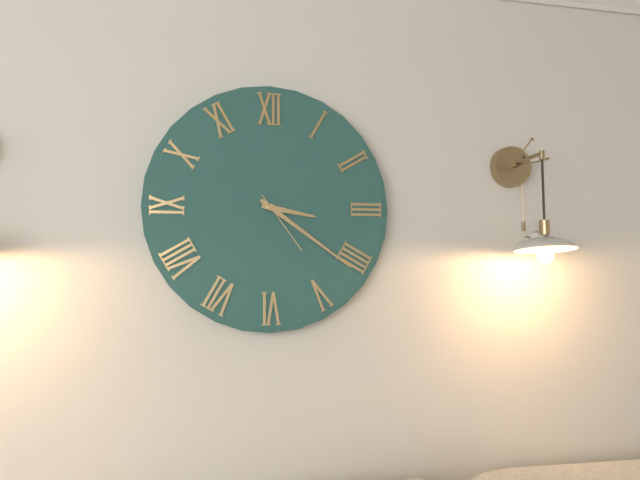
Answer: h=3 m=21 s=24
